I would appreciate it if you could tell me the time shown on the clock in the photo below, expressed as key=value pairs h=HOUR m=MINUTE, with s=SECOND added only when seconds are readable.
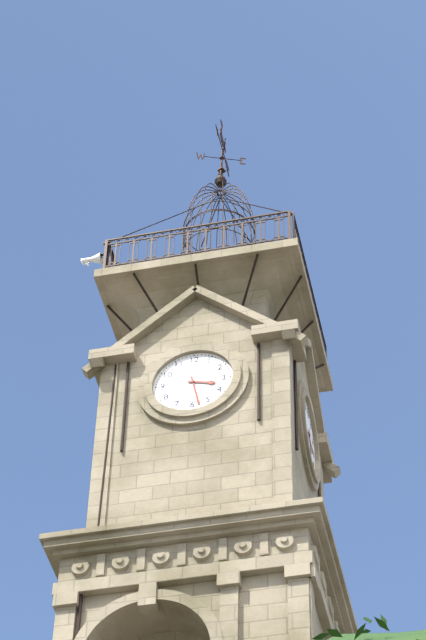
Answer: h=3 m=28
